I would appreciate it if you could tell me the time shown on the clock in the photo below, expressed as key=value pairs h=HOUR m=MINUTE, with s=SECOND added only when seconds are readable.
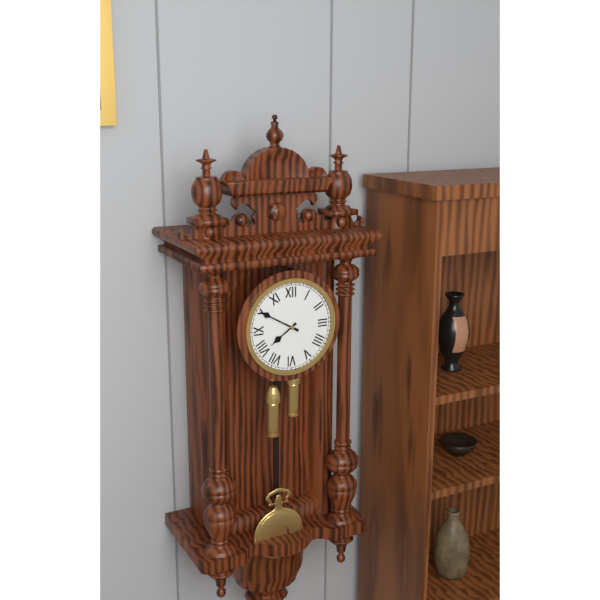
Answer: h=7 m=50
